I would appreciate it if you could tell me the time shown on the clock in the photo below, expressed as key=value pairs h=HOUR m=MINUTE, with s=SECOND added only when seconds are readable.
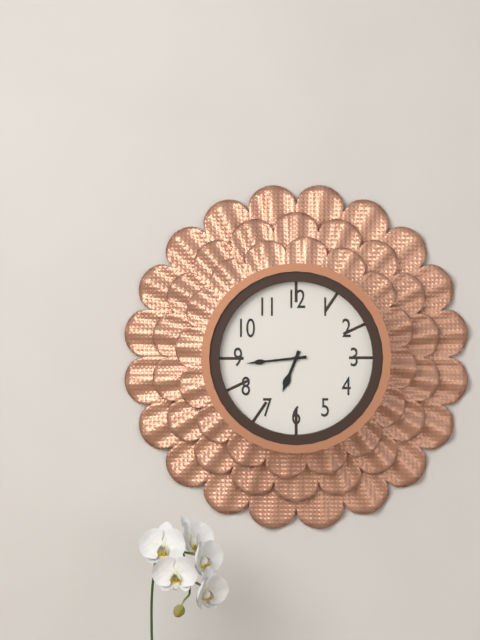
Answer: h=6 m=44
